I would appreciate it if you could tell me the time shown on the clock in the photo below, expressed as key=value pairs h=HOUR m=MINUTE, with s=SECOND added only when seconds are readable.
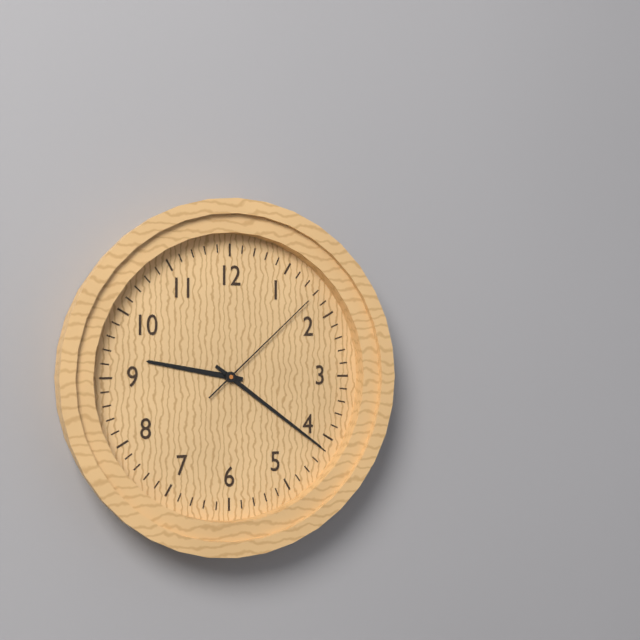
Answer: h=9 m=21 s=8
